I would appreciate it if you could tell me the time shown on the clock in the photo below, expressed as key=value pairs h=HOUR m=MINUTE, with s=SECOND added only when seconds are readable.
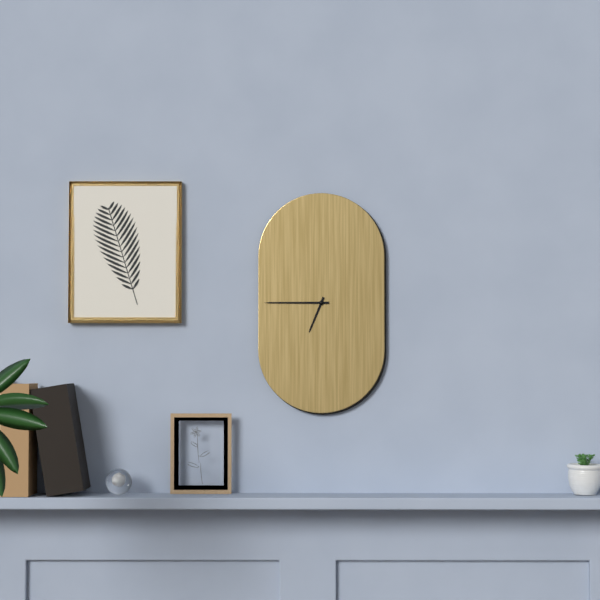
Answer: h=6 m=45
